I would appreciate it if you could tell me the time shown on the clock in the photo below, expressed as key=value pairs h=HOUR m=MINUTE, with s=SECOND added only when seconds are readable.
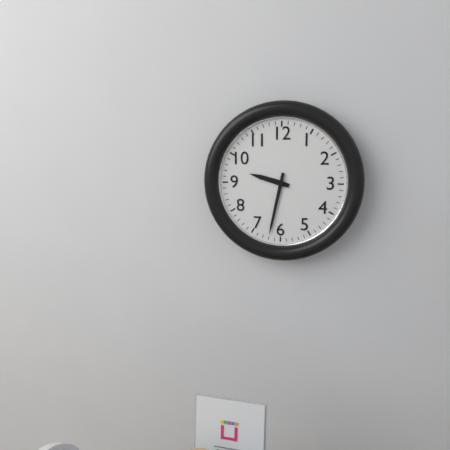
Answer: h=9 m=32
